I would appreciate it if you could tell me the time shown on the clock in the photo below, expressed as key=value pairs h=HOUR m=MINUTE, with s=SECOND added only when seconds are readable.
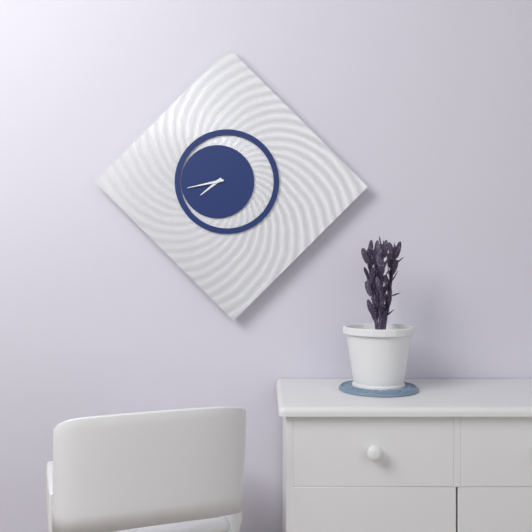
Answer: h=7 m=43
